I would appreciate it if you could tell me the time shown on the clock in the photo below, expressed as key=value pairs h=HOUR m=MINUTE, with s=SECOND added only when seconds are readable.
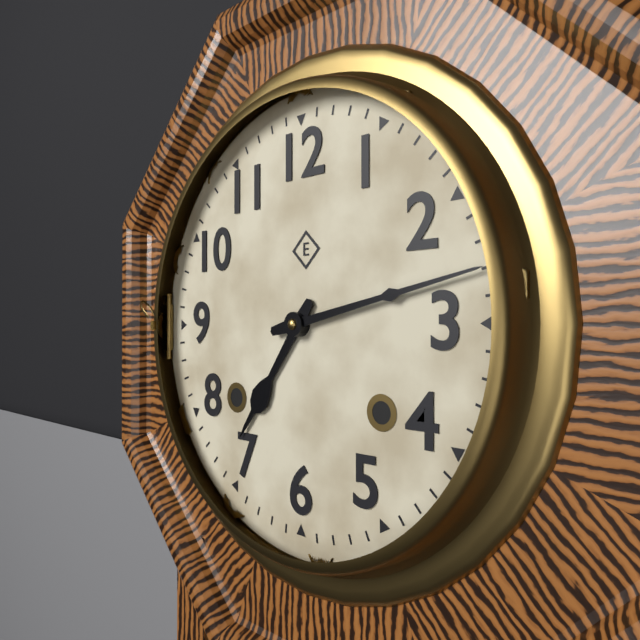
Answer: h=7 m=13
